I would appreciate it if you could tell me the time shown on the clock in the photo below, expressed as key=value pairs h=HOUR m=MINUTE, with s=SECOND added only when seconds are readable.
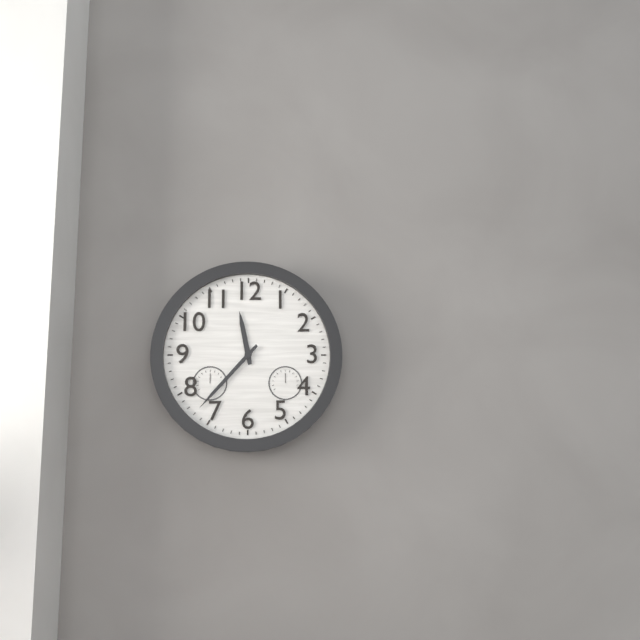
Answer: h=11 m=37
